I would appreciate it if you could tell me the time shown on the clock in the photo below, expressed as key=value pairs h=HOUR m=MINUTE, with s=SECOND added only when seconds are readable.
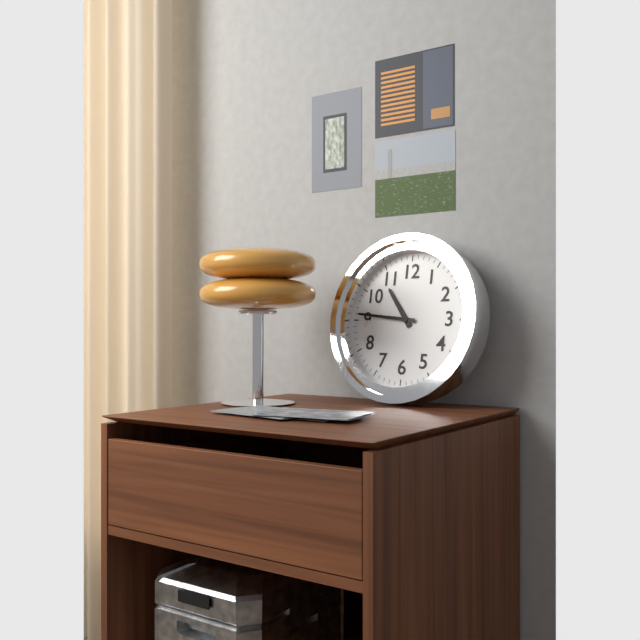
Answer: h=10 m=46
